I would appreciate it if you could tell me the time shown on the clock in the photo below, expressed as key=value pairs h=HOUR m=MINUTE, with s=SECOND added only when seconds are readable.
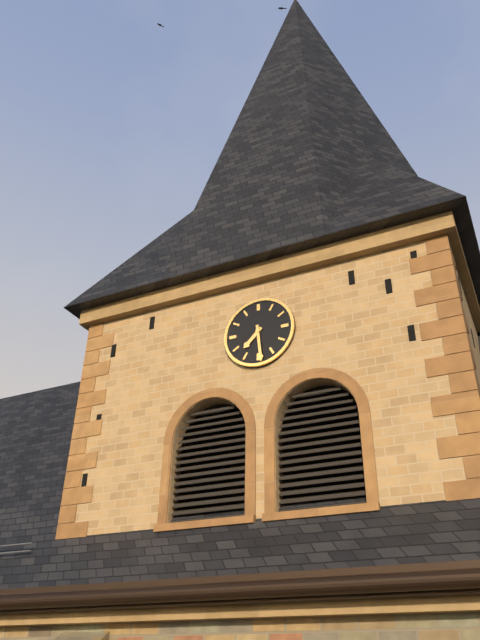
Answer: h=7 m=29
